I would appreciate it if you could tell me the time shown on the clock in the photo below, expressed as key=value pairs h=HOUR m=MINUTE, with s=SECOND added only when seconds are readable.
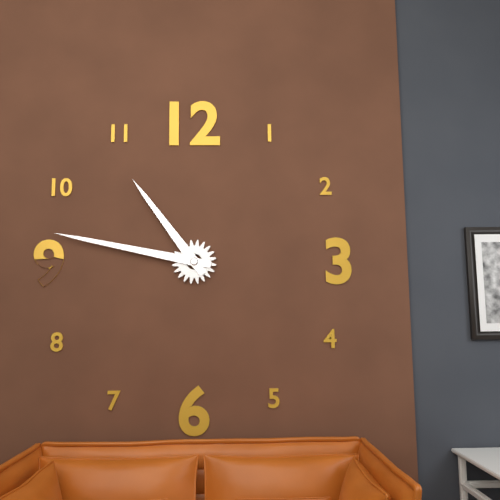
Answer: h=10 m=47
